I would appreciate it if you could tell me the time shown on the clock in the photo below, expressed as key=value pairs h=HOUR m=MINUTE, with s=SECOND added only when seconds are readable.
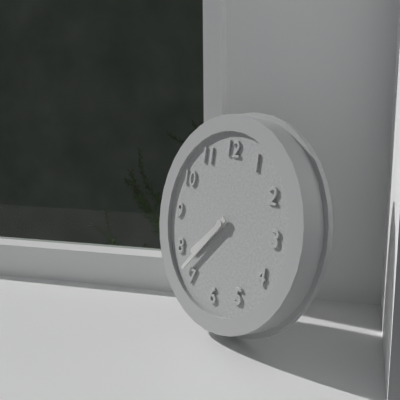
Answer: h=7 m=37
